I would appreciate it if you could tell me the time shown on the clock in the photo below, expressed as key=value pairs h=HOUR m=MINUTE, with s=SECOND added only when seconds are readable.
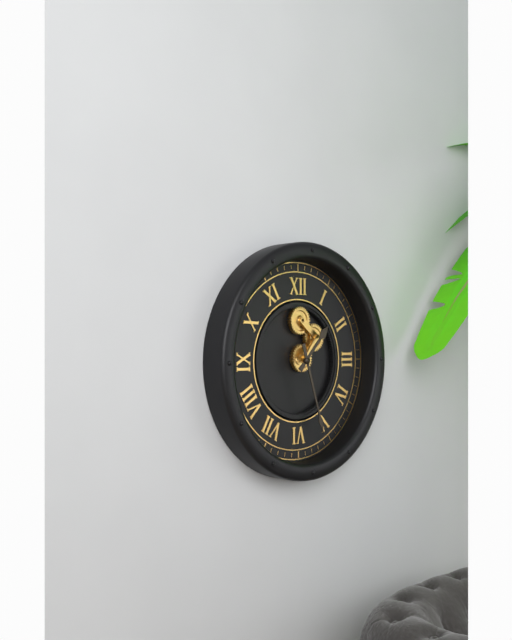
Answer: h=1 m=27
